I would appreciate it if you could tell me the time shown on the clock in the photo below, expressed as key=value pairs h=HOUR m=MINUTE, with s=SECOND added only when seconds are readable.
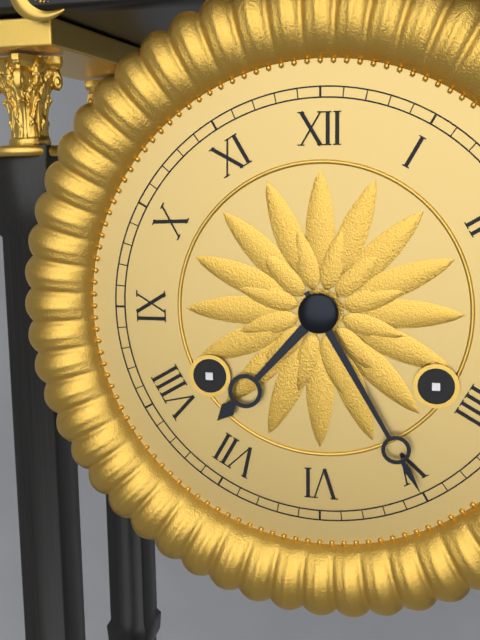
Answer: h=7 m=25
